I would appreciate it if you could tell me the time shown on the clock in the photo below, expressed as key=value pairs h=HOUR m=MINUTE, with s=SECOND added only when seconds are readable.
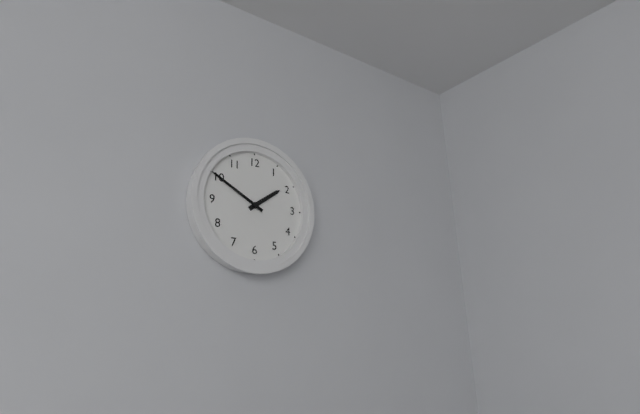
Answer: h=1 m=50
